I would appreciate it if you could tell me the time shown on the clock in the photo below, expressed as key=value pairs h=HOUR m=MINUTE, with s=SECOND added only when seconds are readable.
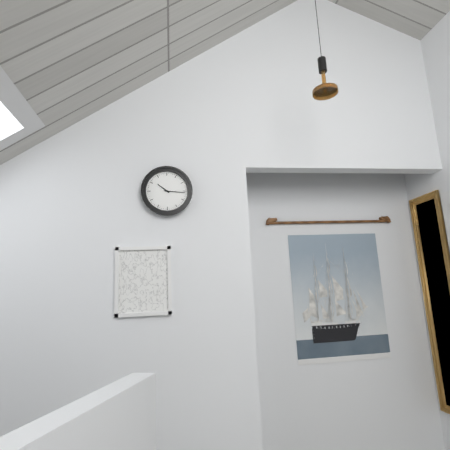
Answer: h=10 m=16
